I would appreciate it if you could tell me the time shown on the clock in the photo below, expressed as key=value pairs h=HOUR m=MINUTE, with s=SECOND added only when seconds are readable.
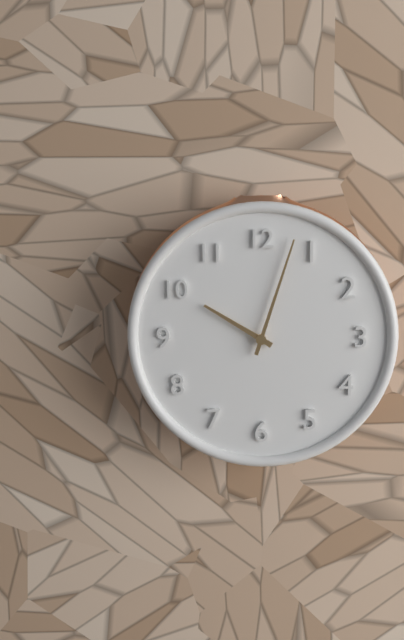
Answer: h=10 m=3
